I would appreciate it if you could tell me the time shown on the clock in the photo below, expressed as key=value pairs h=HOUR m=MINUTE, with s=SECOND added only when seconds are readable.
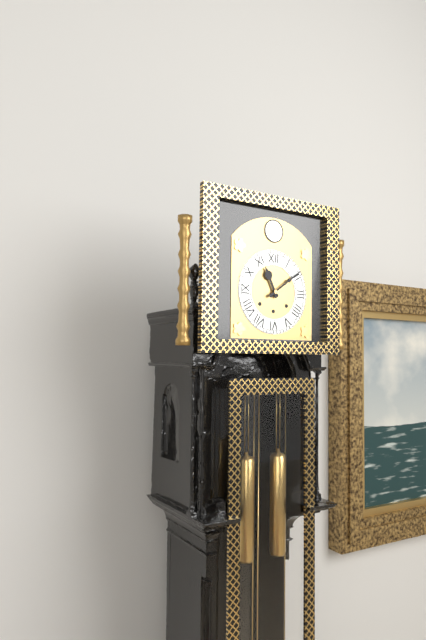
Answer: h=11 m=9
